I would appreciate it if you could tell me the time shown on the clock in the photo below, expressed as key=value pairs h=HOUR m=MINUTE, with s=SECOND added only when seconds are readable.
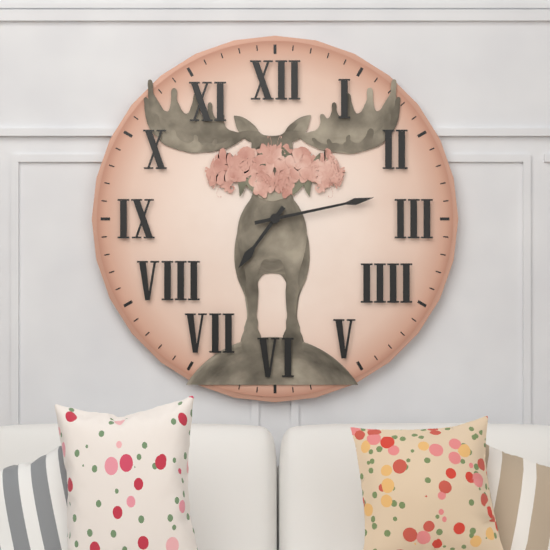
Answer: h=7 m=13
